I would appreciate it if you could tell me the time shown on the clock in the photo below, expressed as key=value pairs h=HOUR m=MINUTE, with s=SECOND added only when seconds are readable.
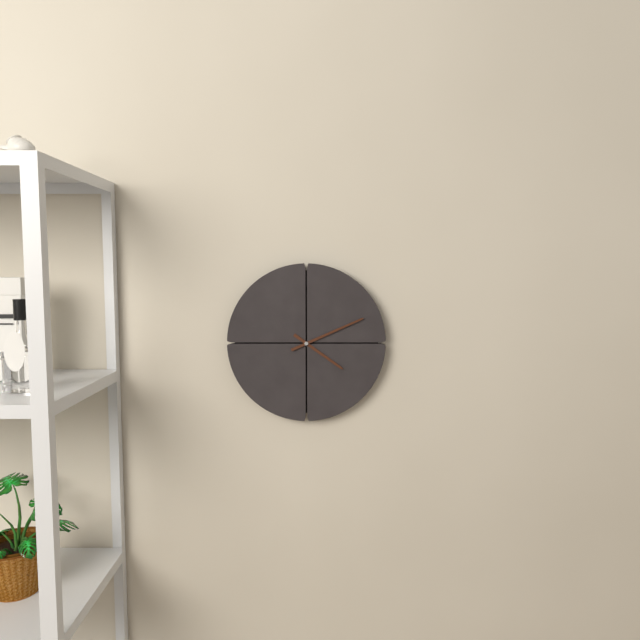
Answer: h=4 m=11
